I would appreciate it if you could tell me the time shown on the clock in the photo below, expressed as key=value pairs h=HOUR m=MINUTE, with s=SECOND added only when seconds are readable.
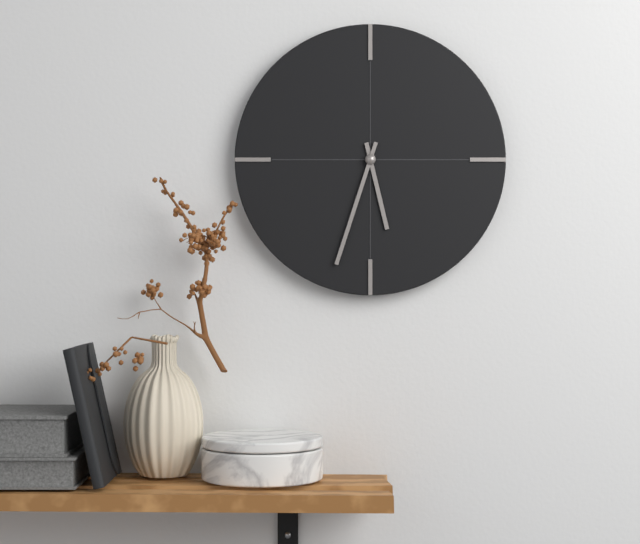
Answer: h=5 m=33
